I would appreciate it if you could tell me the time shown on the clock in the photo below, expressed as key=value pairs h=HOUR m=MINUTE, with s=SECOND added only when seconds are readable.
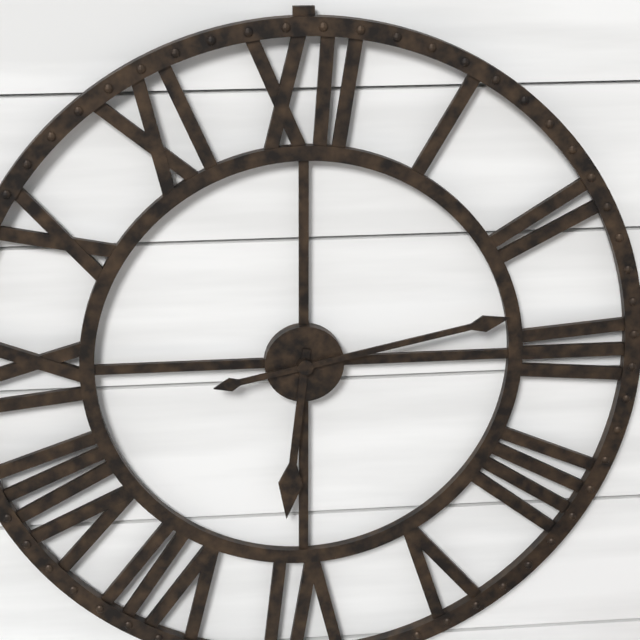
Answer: h=6 m=13
